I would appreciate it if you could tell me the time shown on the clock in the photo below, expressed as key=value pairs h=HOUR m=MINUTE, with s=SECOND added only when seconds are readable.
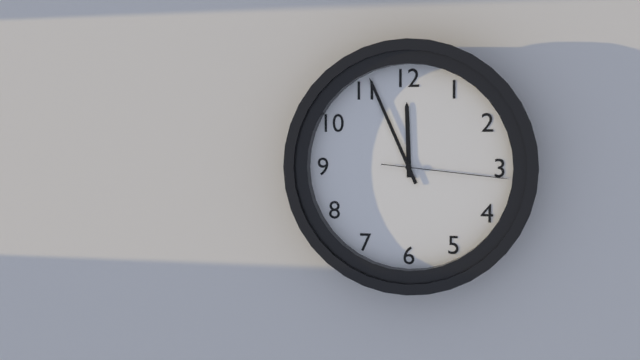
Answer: h=11 m=56 s=16
